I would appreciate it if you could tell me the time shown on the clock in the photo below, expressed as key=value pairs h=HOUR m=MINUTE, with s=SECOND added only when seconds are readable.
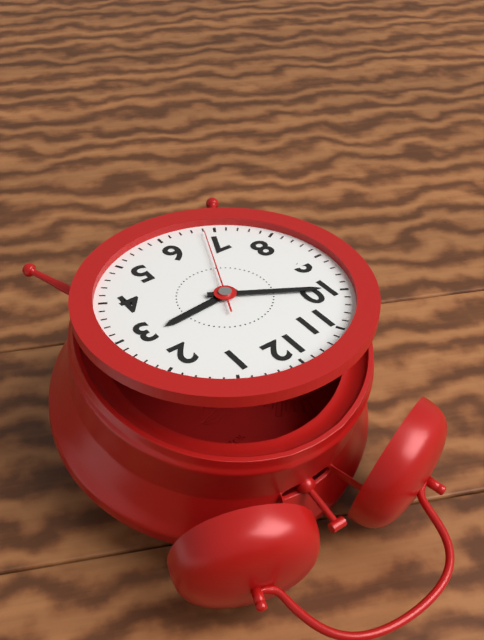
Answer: h=2 m=50 s=34
